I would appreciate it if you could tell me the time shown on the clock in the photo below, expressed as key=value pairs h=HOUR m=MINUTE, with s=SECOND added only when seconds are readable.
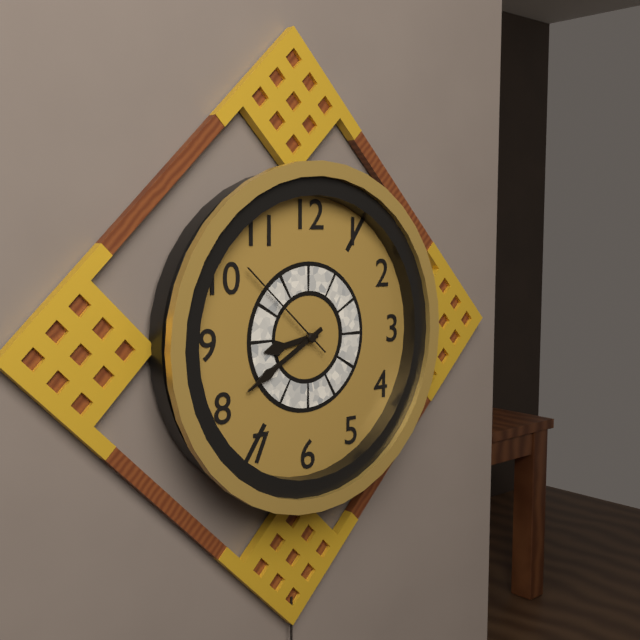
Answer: h=8 m=40 s=52
